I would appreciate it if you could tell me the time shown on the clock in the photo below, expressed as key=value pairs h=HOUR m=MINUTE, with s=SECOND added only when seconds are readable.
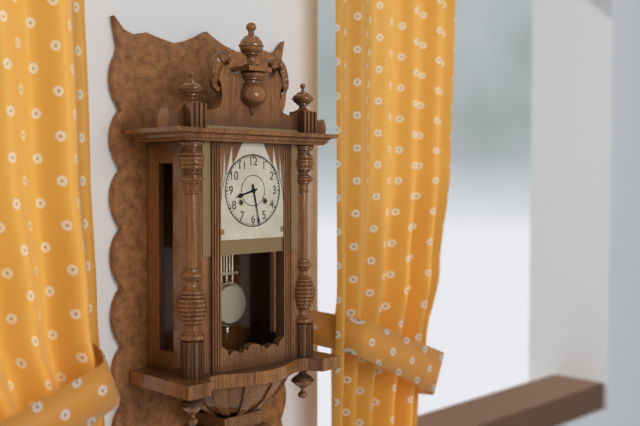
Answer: h=8 m=28
